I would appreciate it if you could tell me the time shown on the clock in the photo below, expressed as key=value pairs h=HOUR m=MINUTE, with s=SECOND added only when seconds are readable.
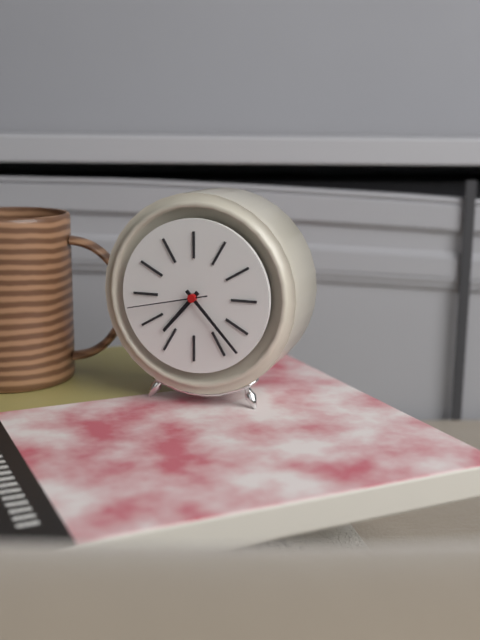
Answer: h=7 m=23 s=43
